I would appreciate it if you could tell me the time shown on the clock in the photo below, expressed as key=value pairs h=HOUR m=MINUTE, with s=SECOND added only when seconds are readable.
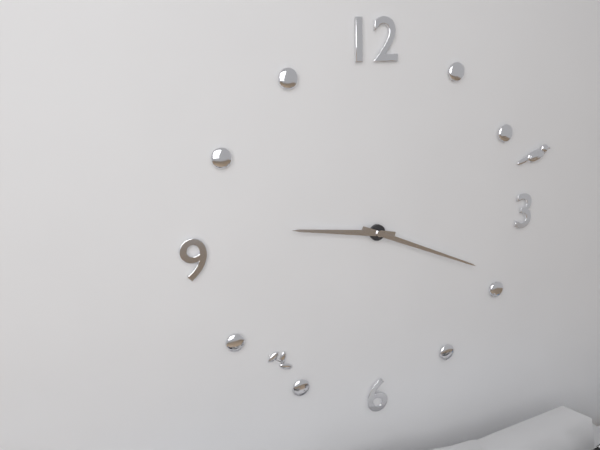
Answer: h=9 m=19
